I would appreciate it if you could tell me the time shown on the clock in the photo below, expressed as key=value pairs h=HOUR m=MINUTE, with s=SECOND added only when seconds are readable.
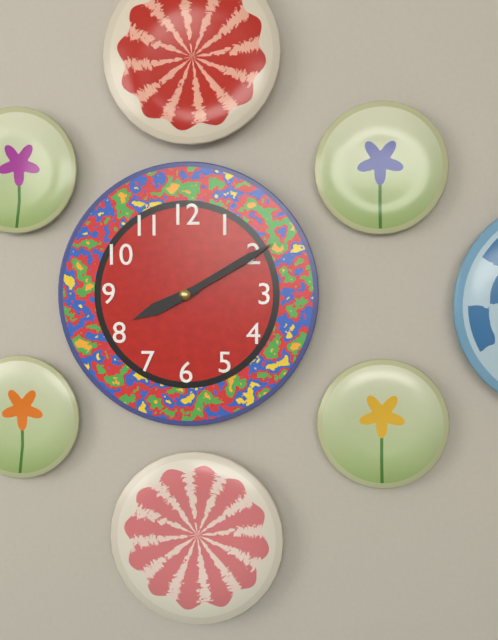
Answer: h=8 m=10
